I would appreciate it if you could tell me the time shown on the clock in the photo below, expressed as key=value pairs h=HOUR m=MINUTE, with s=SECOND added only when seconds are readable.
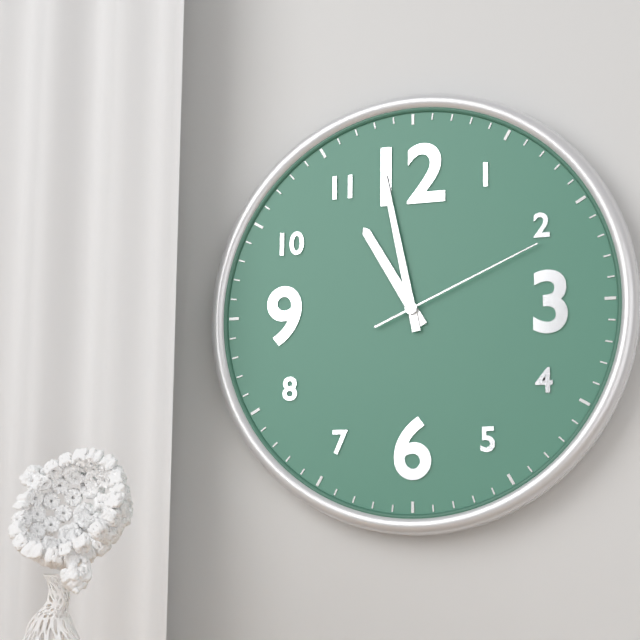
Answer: h=10 m=58 s=11
